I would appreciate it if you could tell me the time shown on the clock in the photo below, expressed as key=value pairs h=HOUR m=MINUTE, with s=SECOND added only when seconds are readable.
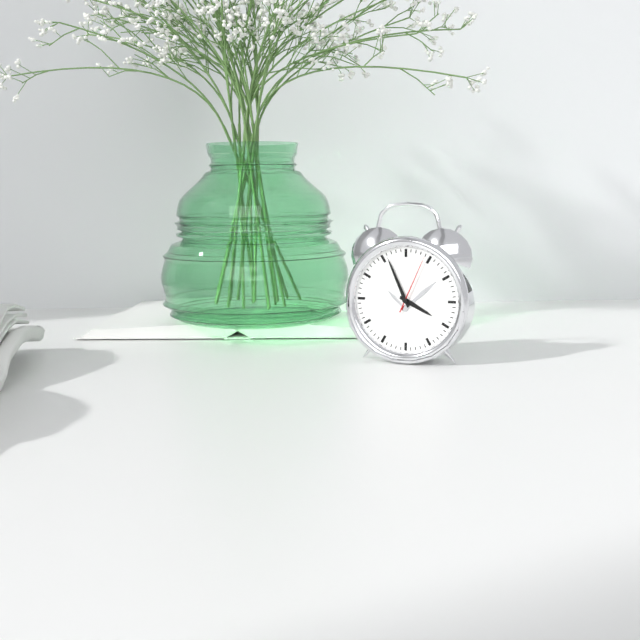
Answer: h=3 m=56 s=4
